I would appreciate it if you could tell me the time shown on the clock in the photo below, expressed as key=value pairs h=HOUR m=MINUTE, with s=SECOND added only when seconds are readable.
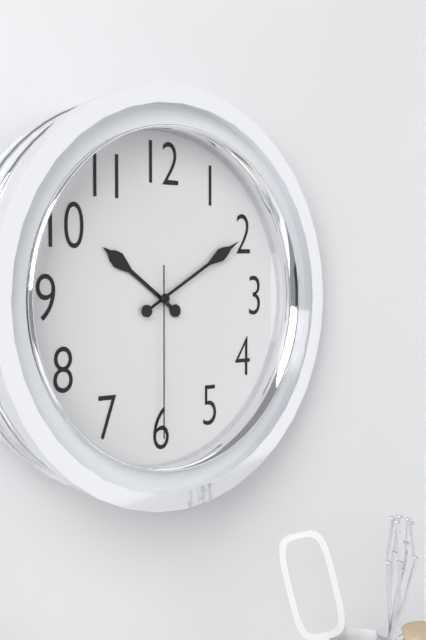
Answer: h=10 m=10 s=30
